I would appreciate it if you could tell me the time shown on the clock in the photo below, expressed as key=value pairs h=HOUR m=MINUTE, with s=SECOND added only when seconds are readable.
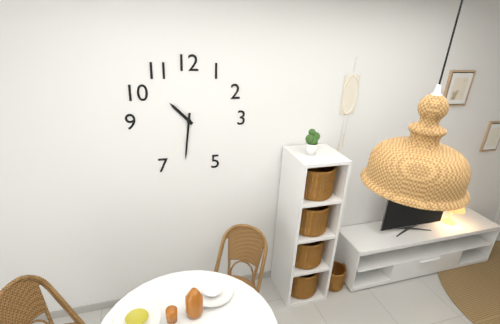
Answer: h=10 m=31
